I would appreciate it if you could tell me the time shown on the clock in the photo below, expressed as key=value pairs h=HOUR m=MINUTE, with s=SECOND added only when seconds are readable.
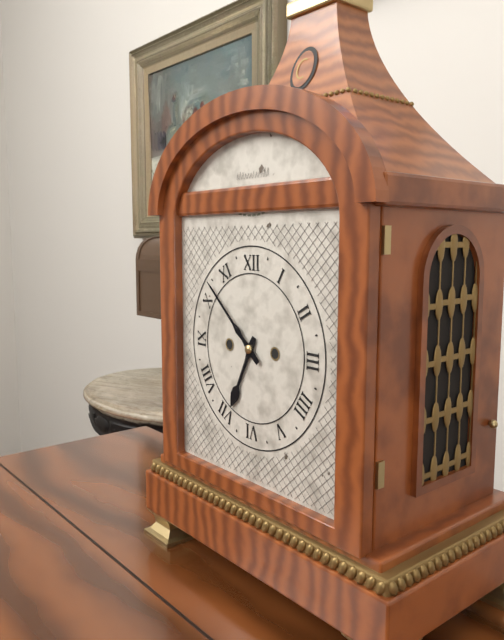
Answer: h=6 m=52
